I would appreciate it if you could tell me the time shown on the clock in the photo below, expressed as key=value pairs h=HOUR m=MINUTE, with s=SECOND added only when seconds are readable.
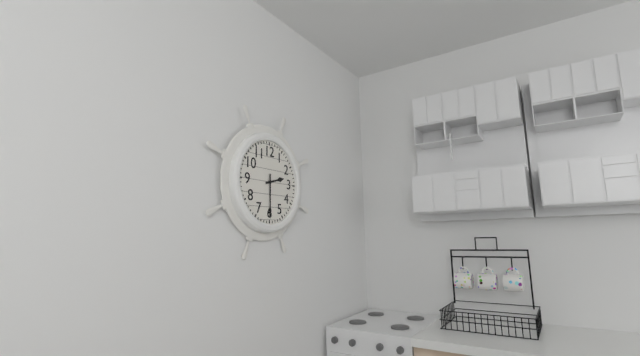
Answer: h=2 m=30
